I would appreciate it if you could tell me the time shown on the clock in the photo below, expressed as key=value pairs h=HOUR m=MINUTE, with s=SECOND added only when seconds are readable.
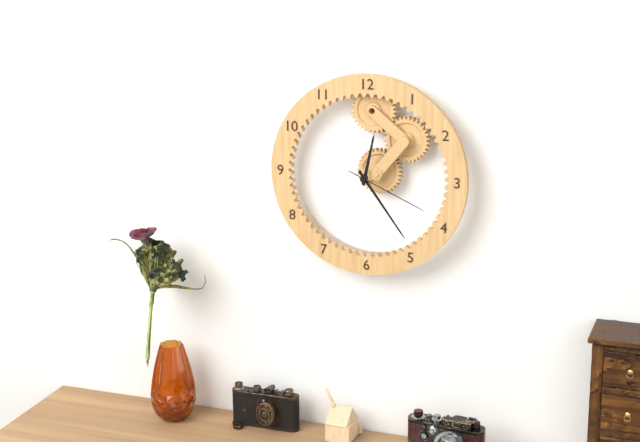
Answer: h=12 m=24 s=19
